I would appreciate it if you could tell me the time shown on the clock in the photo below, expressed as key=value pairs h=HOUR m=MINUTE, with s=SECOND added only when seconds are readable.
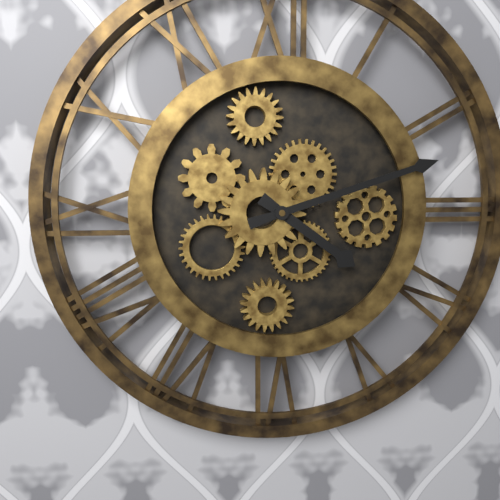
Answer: h=4 m=12
